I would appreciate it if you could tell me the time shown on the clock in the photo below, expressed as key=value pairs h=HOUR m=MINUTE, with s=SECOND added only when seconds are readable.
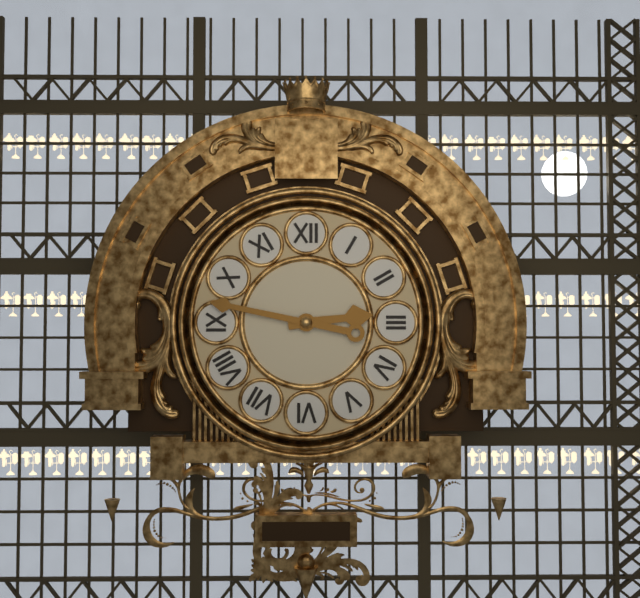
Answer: h=2 m=47
